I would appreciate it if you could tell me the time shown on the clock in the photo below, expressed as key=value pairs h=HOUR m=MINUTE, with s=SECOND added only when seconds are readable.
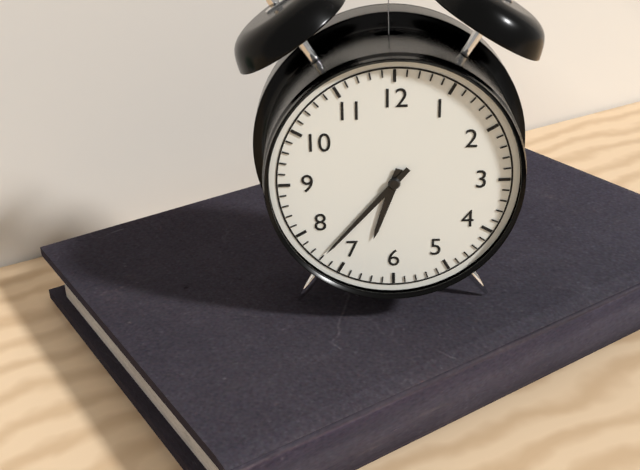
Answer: h=6 m=37
